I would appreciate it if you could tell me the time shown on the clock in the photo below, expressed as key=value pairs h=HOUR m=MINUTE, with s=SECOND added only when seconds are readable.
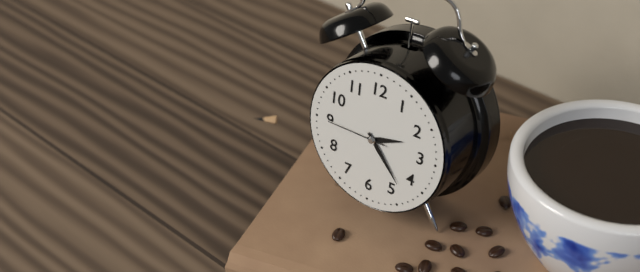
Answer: h=2 m=23 s=45
